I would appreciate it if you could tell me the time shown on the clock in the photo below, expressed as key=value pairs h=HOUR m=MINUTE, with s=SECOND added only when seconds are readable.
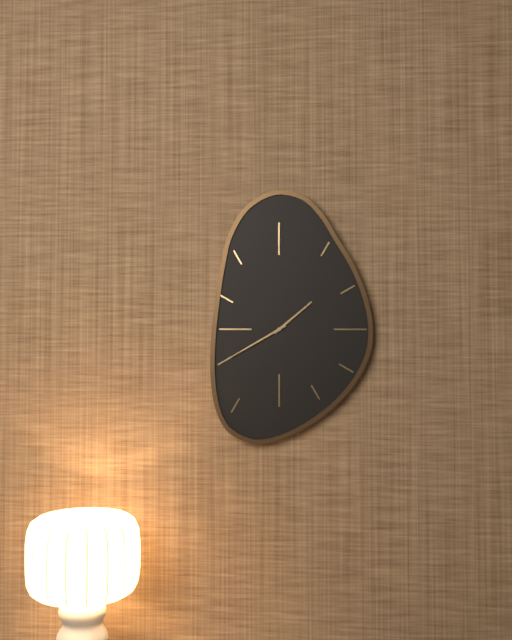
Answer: h=1 m=40
